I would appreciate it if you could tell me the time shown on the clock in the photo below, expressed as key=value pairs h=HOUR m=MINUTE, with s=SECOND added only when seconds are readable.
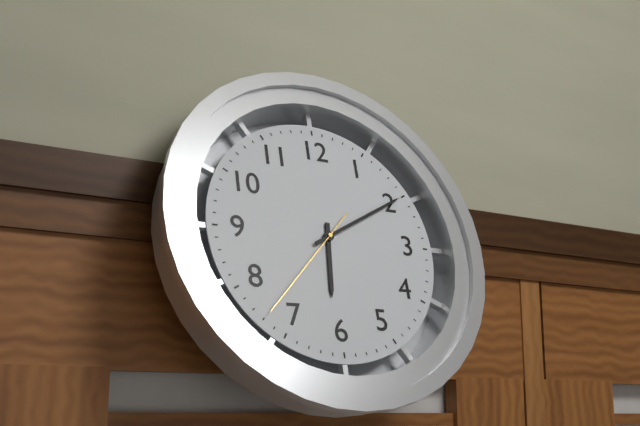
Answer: h=6 m=10 s=37
